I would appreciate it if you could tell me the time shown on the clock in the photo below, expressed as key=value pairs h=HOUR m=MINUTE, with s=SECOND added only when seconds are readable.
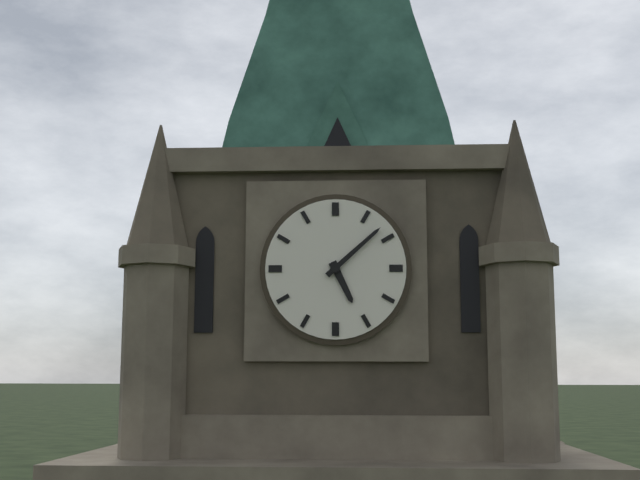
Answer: h=5 m=8
